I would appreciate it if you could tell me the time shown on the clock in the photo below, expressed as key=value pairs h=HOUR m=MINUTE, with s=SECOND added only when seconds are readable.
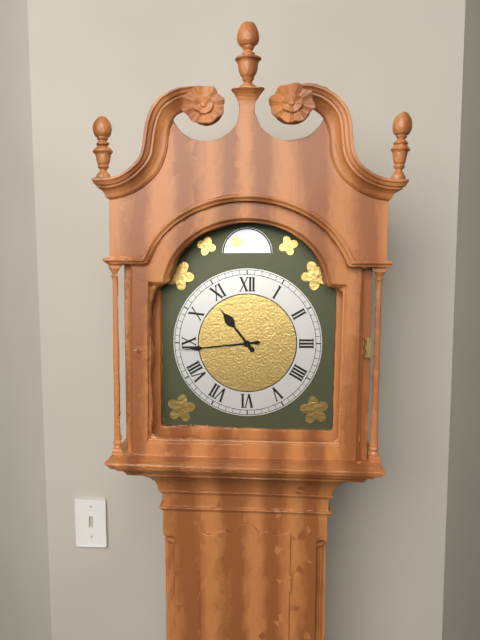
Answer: h=10 m=44
